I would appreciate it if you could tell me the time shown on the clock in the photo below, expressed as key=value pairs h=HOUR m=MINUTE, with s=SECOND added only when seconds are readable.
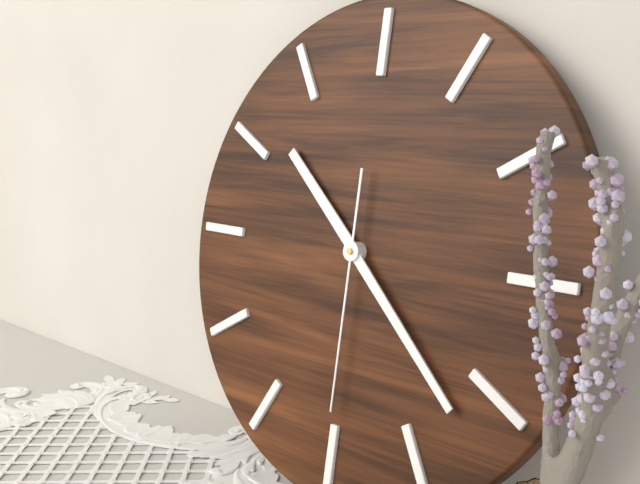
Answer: h=10 m=22 s=30
